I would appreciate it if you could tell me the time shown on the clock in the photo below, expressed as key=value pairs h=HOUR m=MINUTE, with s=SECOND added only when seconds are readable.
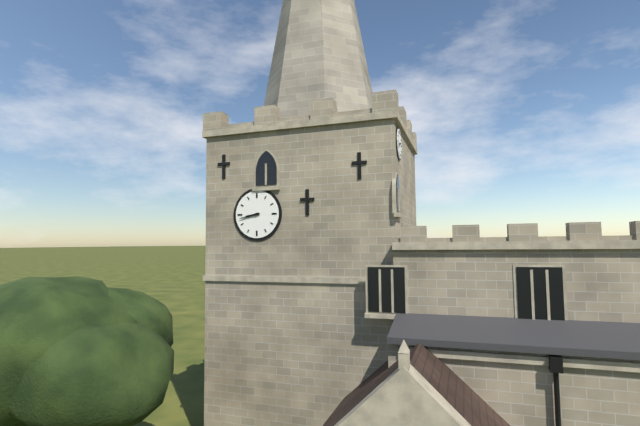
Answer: h=8 m=43
